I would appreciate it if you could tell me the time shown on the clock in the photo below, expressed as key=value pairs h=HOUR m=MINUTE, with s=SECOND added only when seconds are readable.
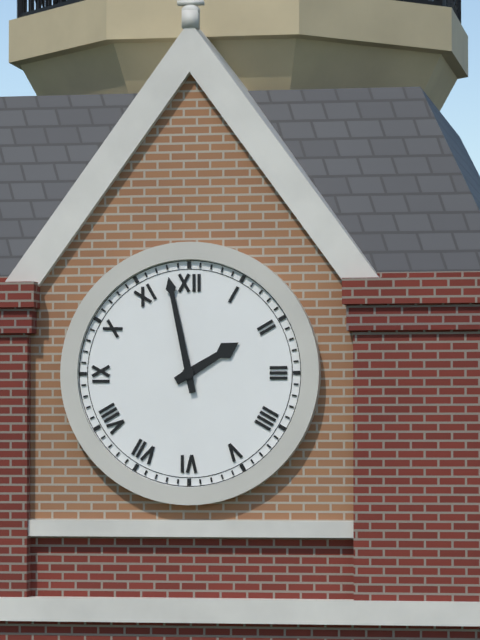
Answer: h=1 m=58
